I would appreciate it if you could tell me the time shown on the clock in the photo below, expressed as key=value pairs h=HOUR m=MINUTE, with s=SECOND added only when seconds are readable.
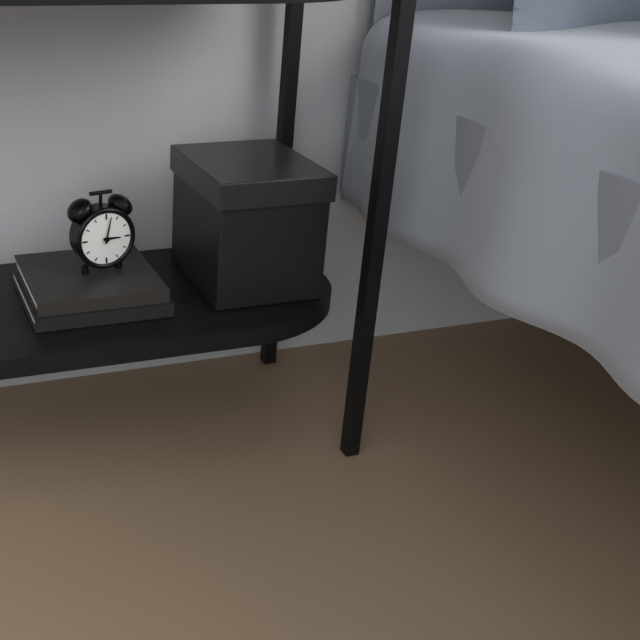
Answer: h=3 m=2
